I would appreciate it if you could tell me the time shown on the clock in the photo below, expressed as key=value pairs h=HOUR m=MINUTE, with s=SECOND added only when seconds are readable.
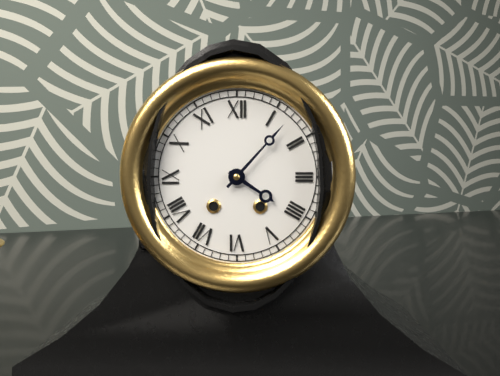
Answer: h=4 m=7
